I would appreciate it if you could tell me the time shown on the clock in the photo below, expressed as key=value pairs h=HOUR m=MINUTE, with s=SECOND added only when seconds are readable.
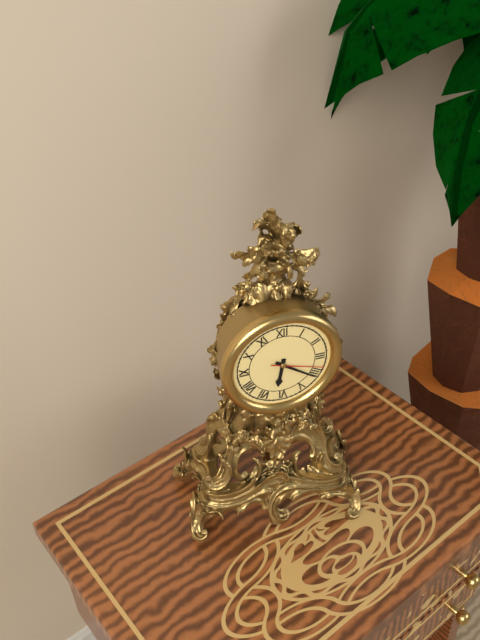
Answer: h=6 m=21 s=18
